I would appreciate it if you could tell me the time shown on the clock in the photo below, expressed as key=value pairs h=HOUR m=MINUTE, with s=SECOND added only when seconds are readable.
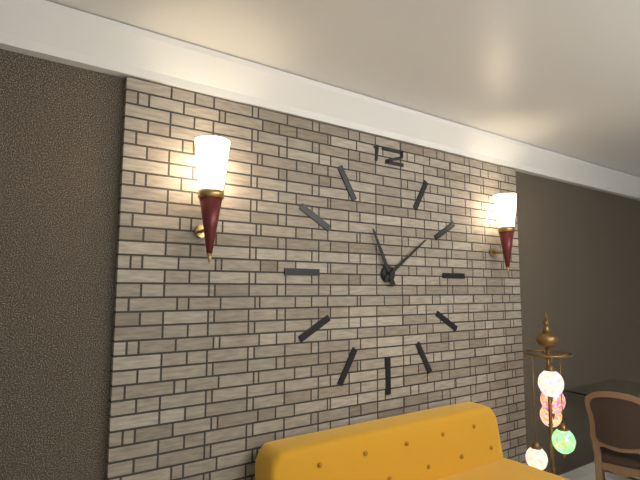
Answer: h=11 m=9
